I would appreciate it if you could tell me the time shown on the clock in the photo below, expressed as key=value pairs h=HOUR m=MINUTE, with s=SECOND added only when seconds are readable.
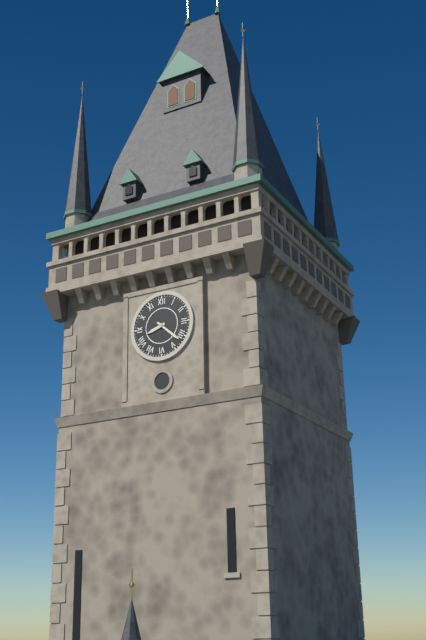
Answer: h=8 m=22
